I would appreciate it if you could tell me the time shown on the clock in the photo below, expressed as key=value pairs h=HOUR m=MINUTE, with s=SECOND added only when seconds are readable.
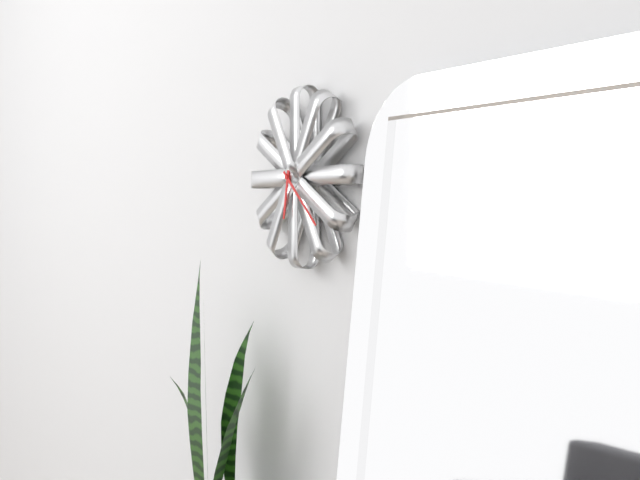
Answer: h=6 m=22
